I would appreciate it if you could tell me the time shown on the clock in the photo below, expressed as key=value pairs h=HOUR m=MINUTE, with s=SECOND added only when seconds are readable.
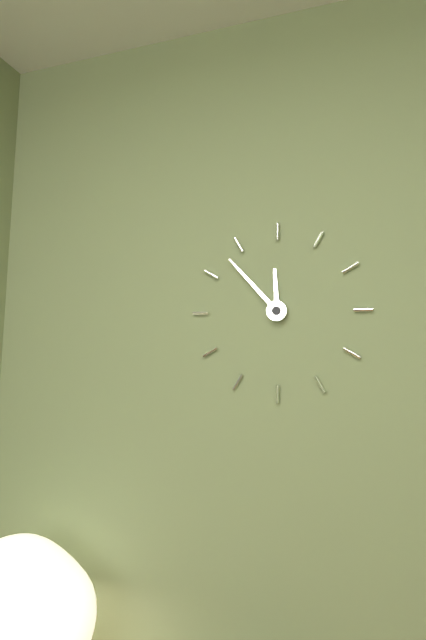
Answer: h=11 m=53
